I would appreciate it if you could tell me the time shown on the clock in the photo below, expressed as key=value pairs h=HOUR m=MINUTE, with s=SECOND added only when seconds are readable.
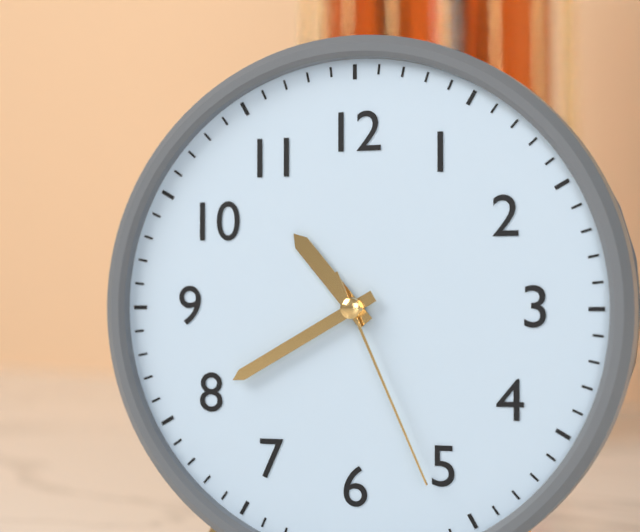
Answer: h=10 m=40 s=26
